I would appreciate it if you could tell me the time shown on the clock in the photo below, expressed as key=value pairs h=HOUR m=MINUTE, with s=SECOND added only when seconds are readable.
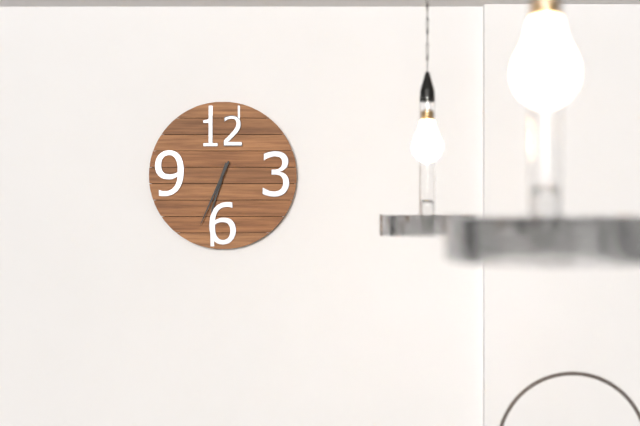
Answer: h=6 m=34
